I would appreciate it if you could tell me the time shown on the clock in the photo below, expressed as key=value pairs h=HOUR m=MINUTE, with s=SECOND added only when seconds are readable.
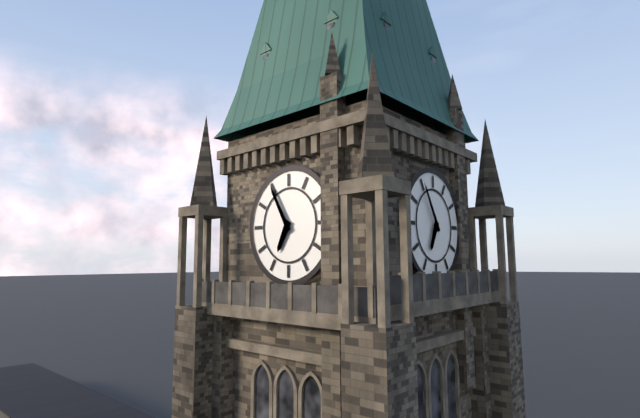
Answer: h=6 m=55
